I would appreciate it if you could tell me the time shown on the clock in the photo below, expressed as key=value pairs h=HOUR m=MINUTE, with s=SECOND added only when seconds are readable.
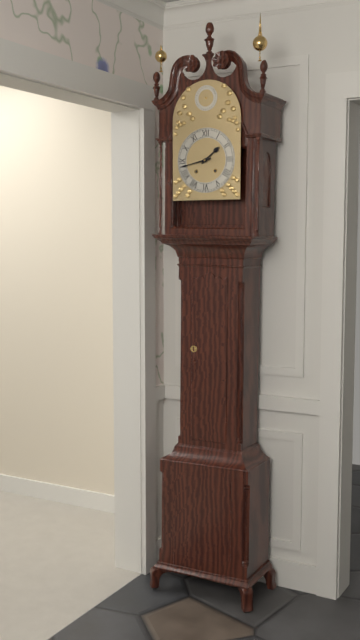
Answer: h=1 m=43
